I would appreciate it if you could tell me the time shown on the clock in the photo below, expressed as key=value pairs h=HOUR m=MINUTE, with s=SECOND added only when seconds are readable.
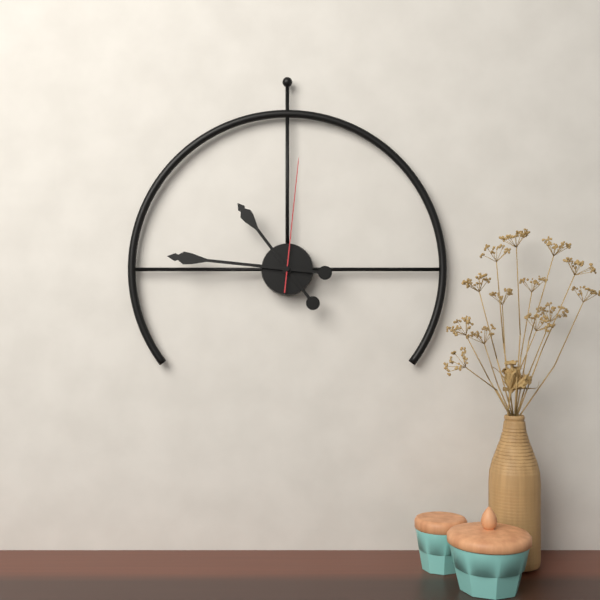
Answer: h=10 m=46 s=1
